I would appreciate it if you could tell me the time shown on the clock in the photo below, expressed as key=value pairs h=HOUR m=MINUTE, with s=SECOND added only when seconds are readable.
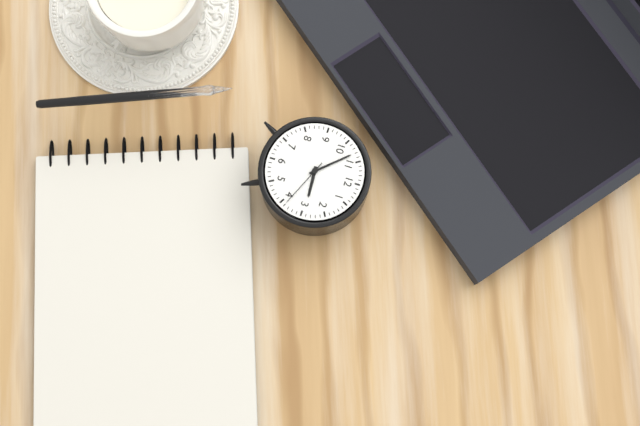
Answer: h=2 m=53 s=19
